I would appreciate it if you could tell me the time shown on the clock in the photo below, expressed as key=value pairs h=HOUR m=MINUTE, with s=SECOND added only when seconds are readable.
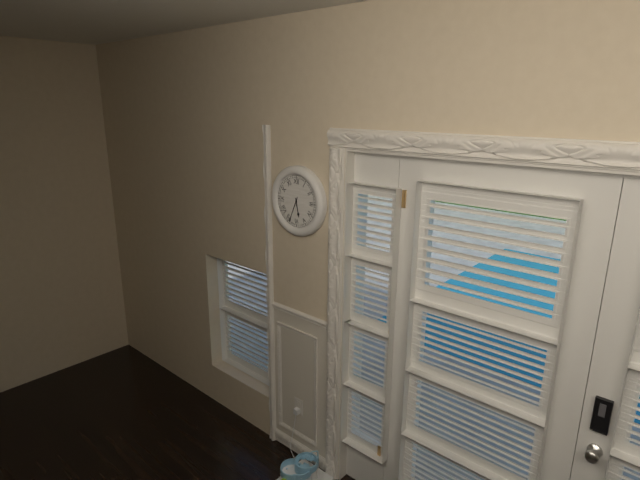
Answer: h=5 m=34
